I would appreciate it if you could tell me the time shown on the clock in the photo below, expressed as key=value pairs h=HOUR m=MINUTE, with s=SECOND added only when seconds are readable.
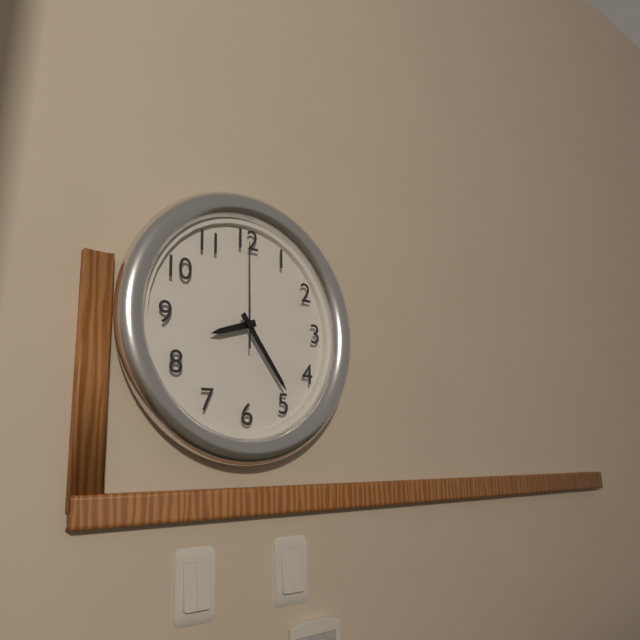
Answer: h=8 m=24 s=0
